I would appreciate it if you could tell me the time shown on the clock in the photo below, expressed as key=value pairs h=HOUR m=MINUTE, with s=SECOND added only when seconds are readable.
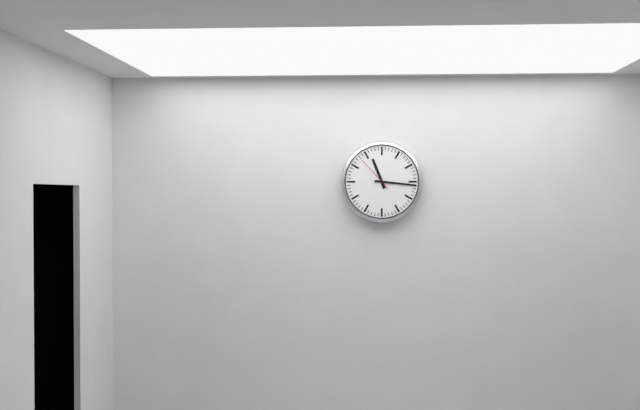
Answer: h=11 m=16
